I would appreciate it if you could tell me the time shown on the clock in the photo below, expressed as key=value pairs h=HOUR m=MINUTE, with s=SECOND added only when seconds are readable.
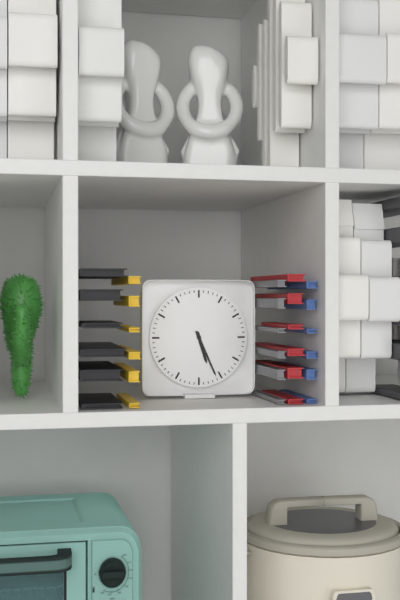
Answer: h=5 m=26
